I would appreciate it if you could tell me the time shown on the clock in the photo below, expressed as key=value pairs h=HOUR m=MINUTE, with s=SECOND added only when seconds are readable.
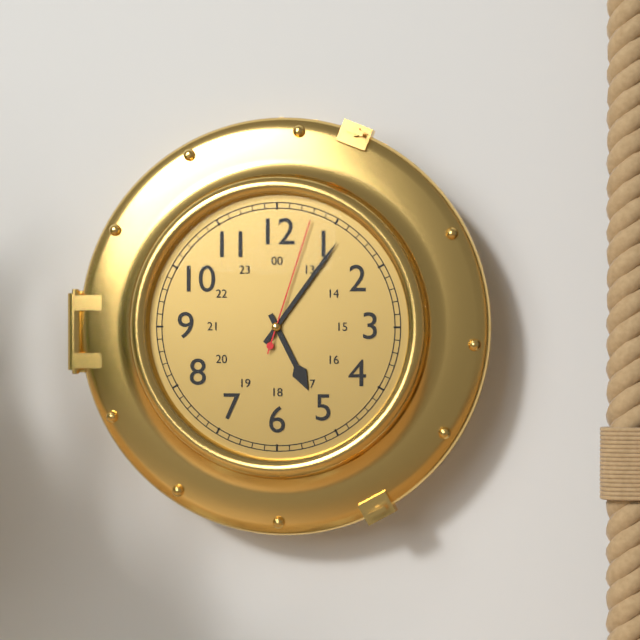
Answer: h=5 m=6 s=3
